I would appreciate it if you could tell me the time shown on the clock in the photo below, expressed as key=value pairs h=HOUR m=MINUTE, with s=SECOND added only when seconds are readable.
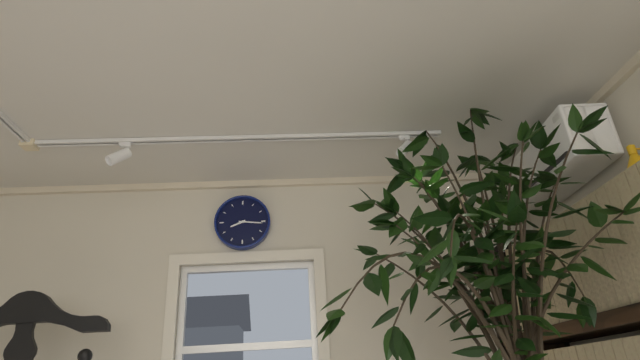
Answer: h=8 m=16
